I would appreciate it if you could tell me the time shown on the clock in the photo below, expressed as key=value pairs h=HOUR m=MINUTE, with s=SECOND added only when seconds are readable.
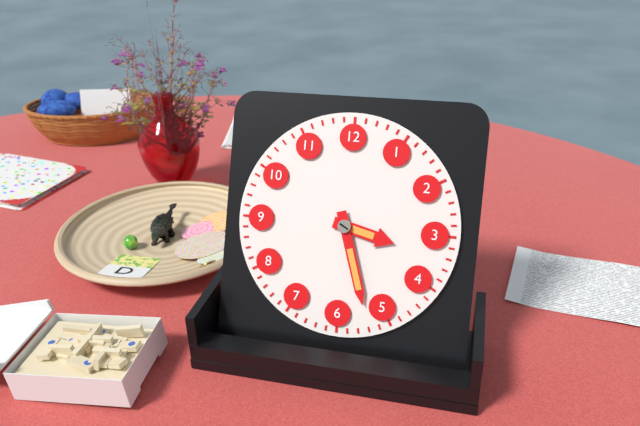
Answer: h=3 m=27
